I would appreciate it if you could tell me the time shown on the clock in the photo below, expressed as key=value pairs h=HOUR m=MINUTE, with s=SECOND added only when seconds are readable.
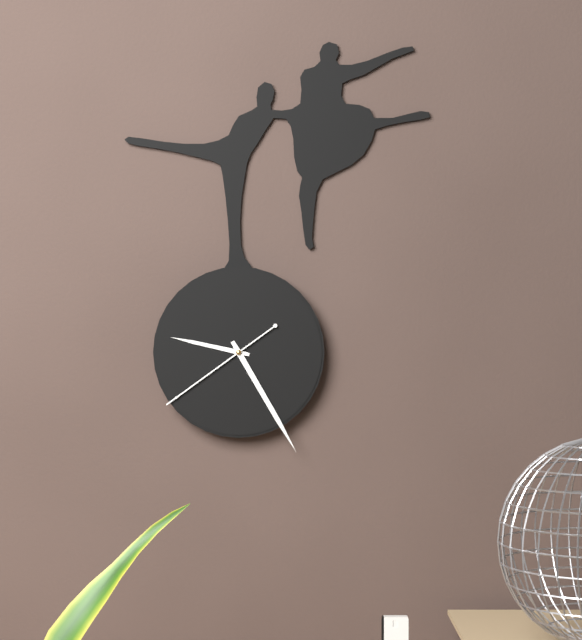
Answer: h=9 m=25 s=39
